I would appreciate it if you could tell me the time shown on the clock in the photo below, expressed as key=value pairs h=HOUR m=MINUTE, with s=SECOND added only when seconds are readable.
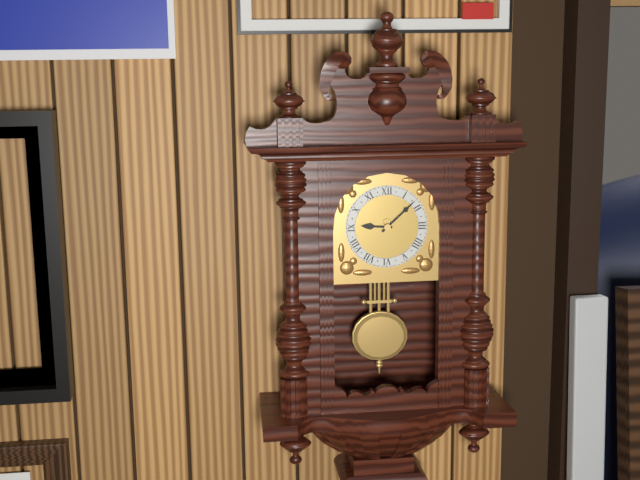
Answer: h=9 m=8
